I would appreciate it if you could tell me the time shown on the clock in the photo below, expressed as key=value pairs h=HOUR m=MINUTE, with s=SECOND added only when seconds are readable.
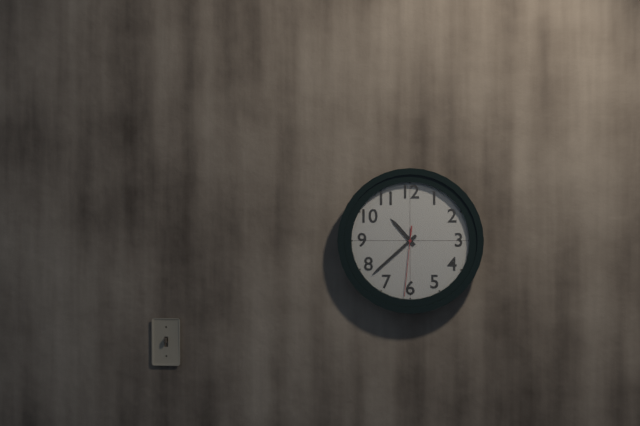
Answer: h=10 m=38 s=31
